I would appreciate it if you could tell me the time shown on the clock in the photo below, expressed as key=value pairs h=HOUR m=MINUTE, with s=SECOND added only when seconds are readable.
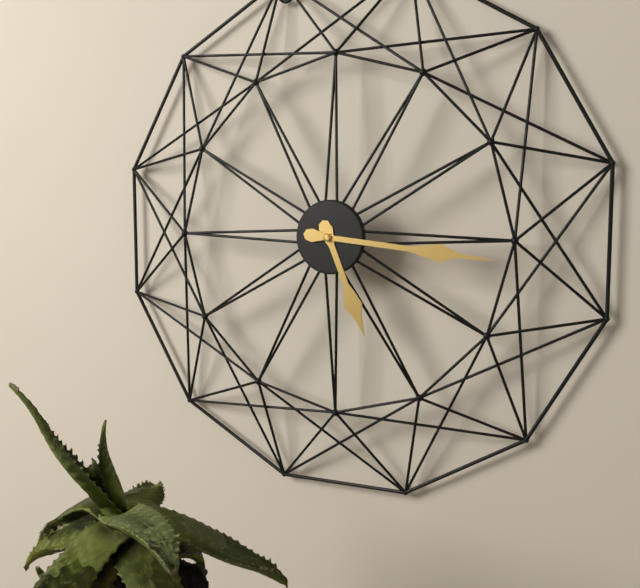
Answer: h=5 m=16
